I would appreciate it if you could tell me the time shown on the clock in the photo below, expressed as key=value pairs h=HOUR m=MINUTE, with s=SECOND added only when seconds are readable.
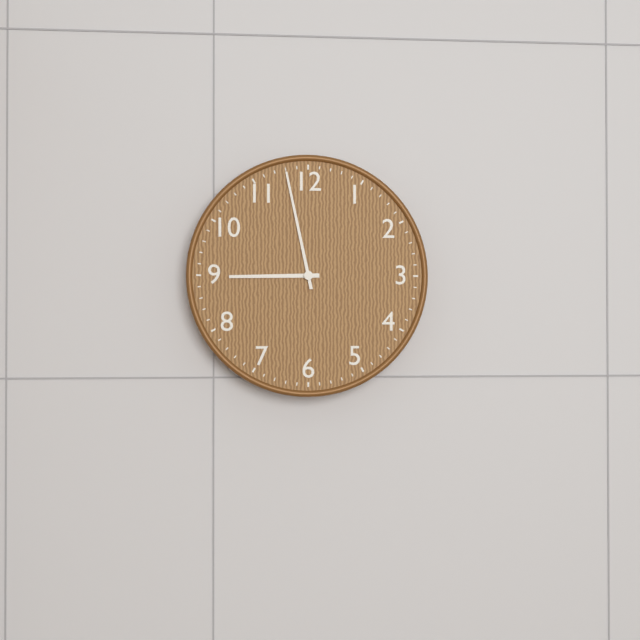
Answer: h=8 m=58
